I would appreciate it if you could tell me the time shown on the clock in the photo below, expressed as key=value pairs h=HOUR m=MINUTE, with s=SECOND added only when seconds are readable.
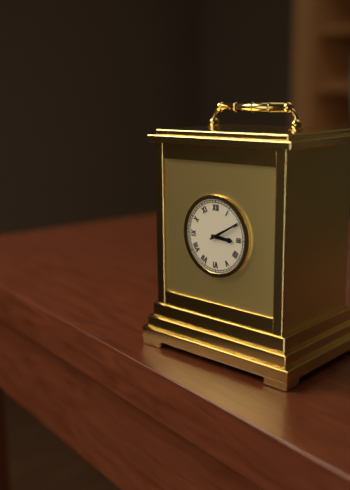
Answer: h=3 m=10
